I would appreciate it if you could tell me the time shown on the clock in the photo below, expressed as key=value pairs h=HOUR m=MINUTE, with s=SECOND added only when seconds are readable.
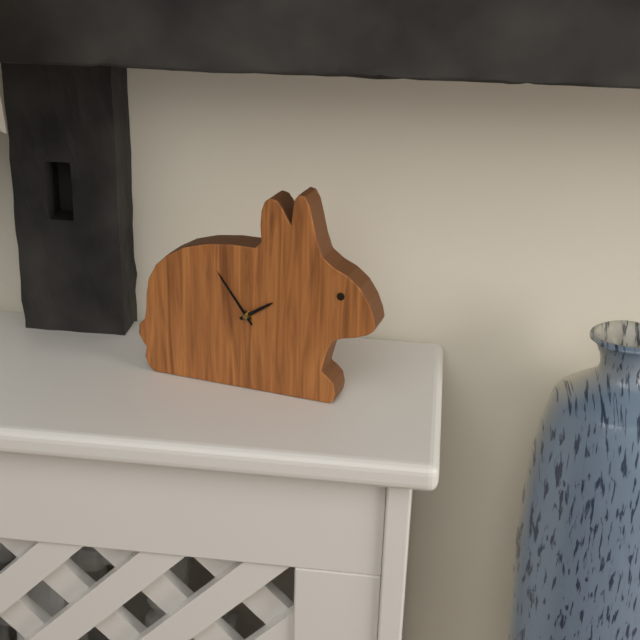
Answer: h=1 m=54
